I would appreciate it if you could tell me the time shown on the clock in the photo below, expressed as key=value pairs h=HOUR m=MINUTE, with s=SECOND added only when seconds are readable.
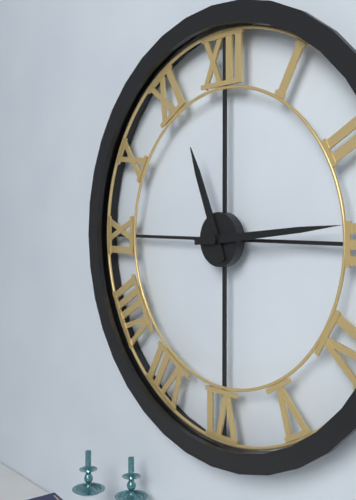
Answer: h=11 m=14
